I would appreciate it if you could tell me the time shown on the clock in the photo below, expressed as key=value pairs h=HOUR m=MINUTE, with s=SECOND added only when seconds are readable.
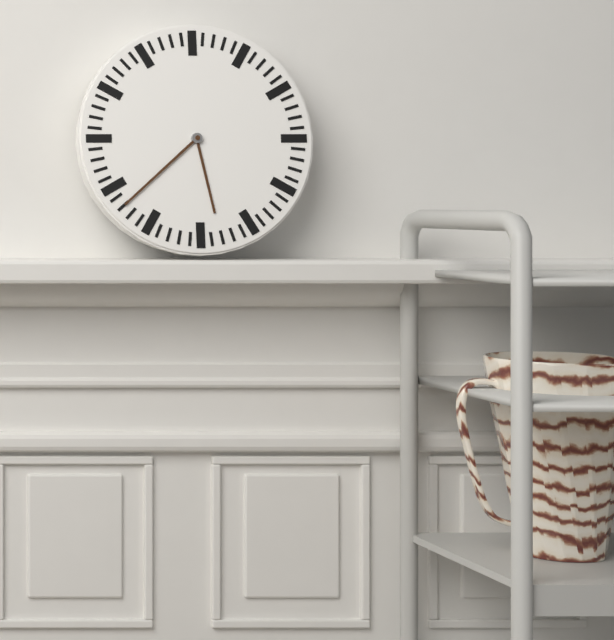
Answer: h=5 m=38
